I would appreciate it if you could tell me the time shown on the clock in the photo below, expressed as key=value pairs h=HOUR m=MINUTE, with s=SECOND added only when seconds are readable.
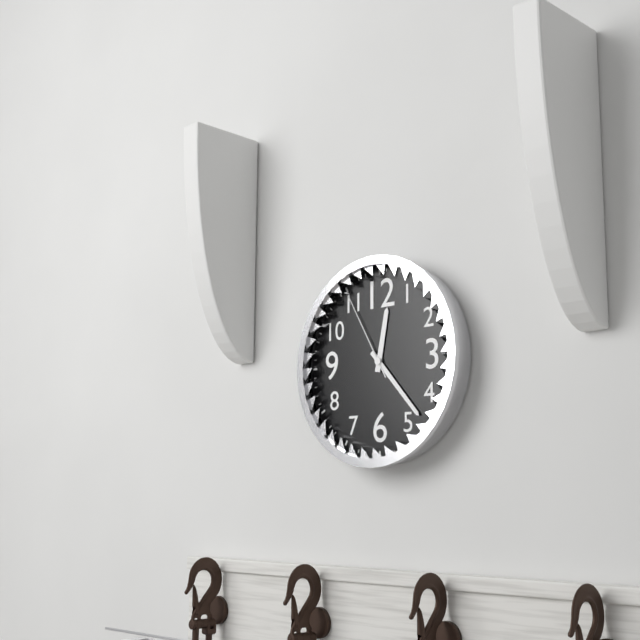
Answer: h=12 m=23 s=55
